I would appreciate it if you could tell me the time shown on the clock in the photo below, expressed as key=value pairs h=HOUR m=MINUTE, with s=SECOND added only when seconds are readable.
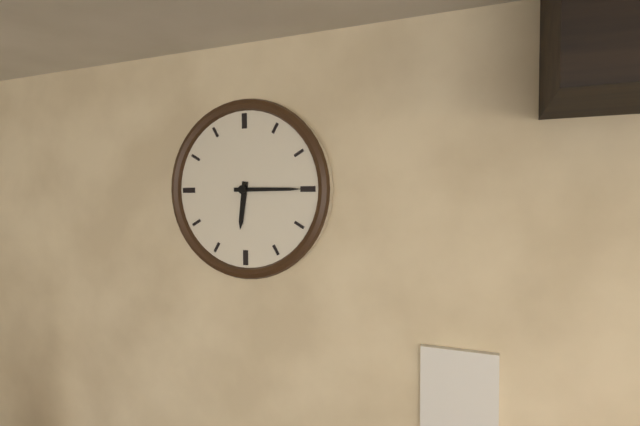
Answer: h=6 m=15
